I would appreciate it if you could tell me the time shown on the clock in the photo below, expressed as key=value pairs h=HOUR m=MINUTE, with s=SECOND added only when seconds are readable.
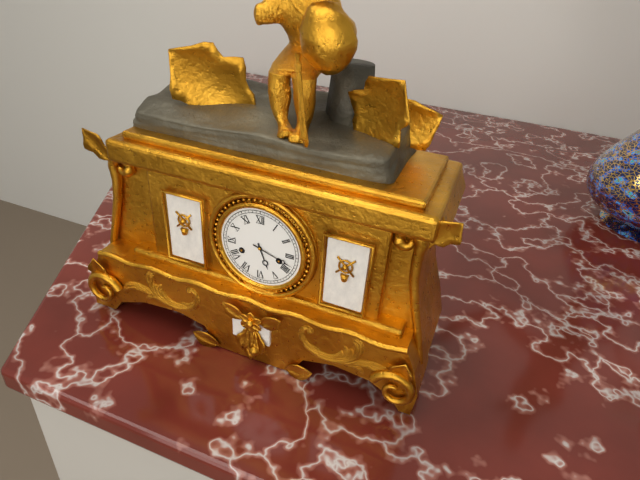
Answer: h=5 m=18
